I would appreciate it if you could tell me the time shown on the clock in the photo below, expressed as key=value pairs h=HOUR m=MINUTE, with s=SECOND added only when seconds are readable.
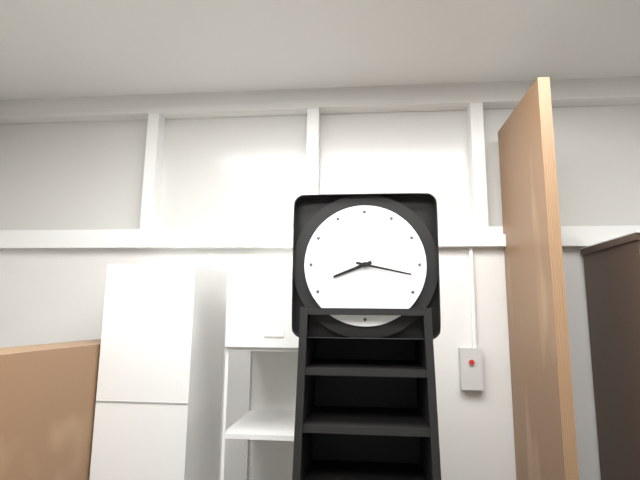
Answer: h=8 m=17
